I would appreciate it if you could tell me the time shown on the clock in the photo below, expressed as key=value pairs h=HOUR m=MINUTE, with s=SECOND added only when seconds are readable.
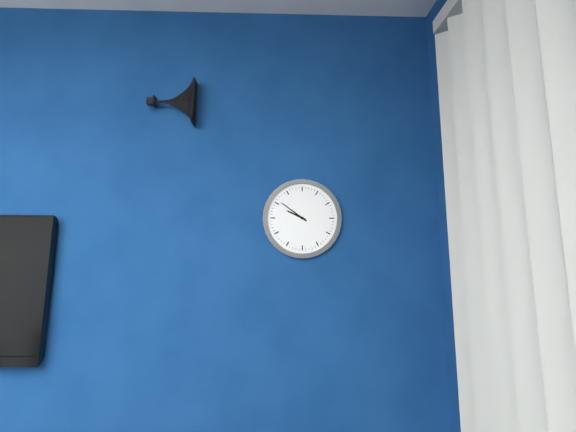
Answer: h=9 m=51
